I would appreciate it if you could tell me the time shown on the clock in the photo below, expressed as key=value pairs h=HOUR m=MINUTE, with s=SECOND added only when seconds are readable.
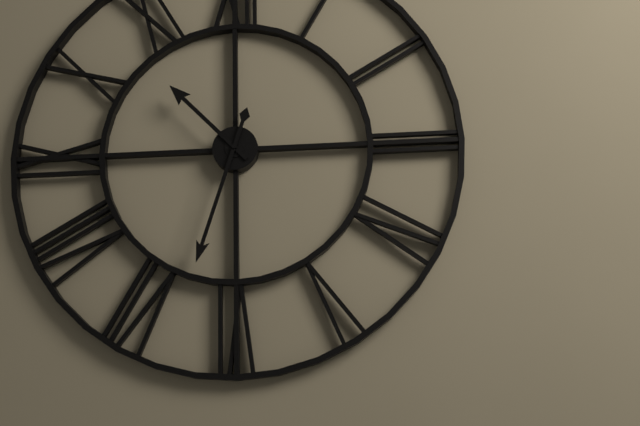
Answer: h=10 m=33
